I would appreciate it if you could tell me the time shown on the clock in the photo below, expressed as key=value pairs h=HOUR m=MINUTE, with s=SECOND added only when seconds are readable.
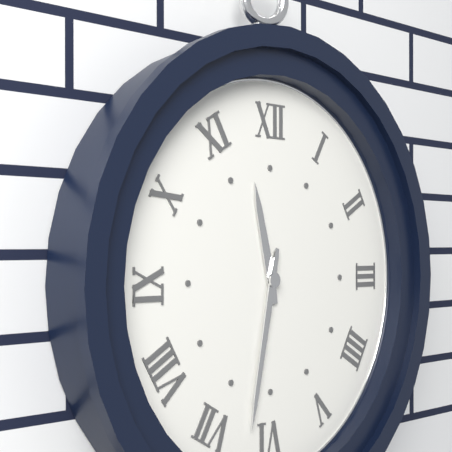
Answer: h=11 m=32
